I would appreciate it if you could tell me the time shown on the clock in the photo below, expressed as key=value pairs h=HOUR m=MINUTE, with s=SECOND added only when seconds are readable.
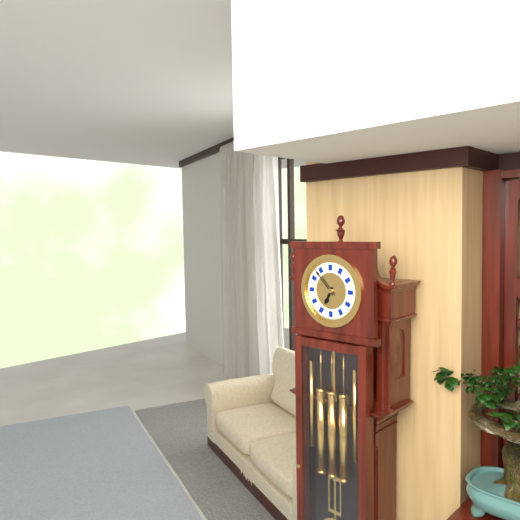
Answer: h=6 m=53
